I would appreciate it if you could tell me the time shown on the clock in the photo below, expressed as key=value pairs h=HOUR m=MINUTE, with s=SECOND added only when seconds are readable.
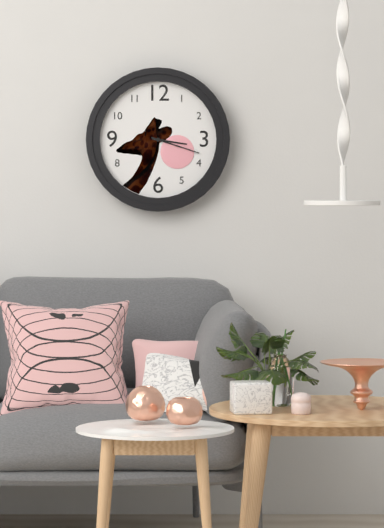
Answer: h=3 m=18
